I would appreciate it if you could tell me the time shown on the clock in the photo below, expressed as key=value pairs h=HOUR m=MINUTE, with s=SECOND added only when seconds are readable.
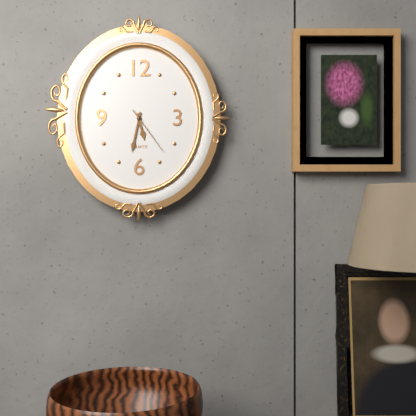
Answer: h=5 m=32
